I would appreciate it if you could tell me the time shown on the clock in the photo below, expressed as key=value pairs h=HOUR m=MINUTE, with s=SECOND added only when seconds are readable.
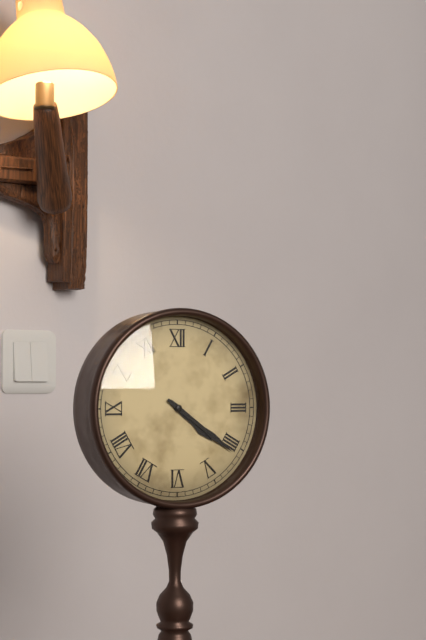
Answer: h=4 m=21
